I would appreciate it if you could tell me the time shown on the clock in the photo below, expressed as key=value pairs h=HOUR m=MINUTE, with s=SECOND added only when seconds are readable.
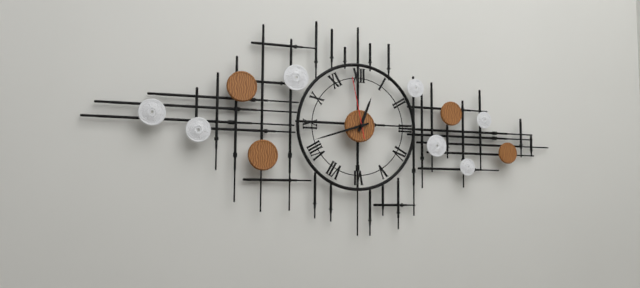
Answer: h=12 m=42 s=58
